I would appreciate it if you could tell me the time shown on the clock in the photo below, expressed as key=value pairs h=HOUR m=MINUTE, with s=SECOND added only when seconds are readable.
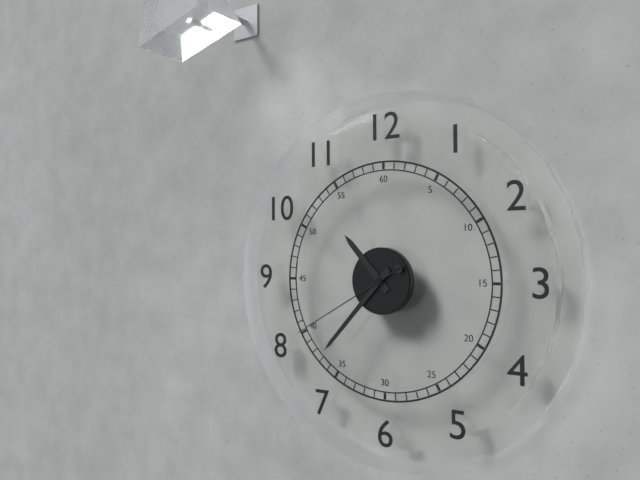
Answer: h=10 m=37 s=40
